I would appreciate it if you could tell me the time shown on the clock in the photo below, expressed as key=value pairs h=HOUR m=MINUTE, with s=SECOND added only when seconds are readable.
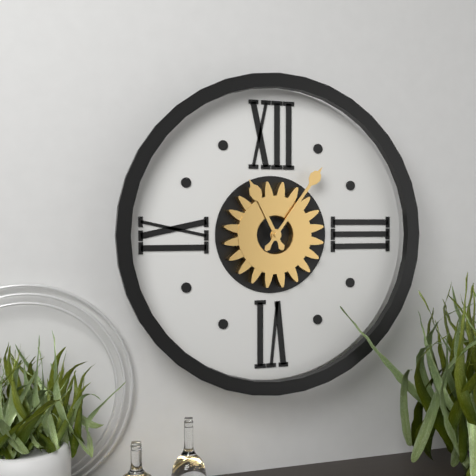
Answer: h=11 m=6
